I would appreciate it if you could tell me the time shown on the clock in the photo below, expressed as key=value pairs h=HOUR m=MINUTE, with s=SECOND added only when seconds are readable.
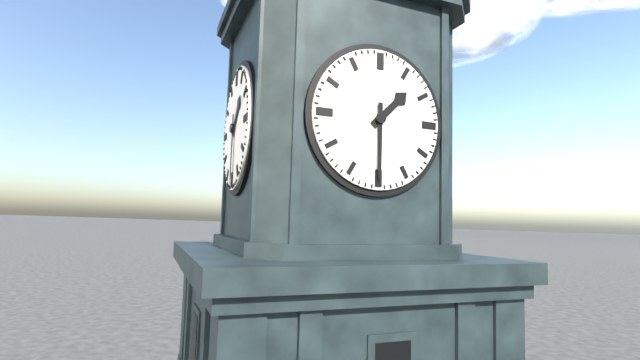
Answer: h=1 m=30
